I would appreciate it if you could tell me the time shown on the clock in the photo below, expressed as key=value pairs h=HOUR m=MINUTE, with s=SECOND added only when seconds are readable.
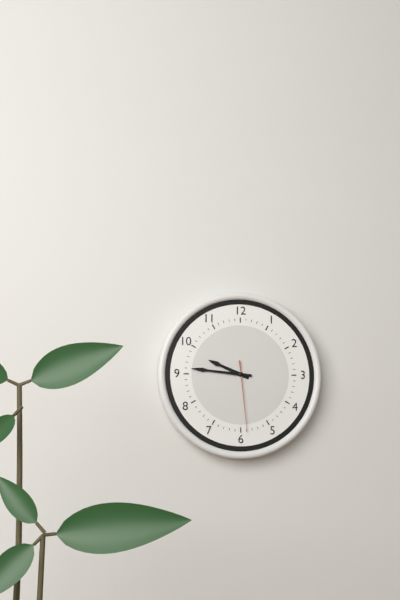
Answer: h=9 m=46 s=29
